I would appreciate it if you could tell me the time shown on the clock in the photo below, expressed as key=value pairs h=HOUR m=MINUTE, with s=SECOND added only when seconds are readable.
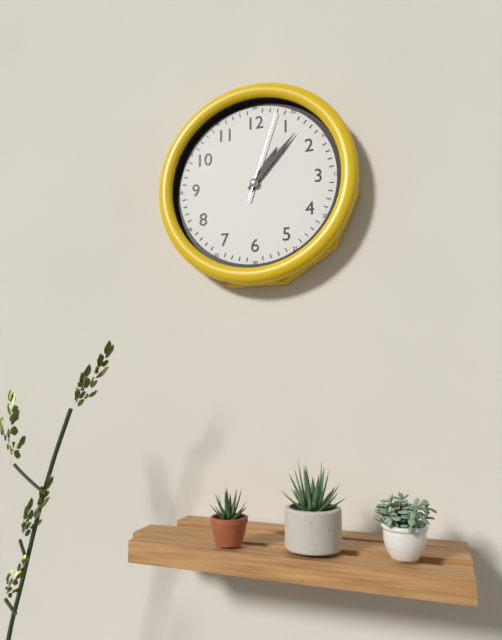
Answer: h=1 m=7 s=3
